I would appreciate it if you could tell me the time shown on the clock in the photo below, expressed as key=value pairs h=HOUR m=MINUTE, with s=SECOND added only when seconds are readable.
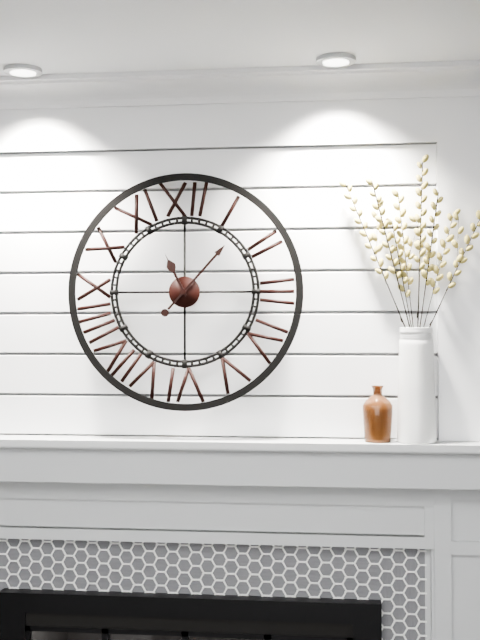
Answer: h=11 m=7
